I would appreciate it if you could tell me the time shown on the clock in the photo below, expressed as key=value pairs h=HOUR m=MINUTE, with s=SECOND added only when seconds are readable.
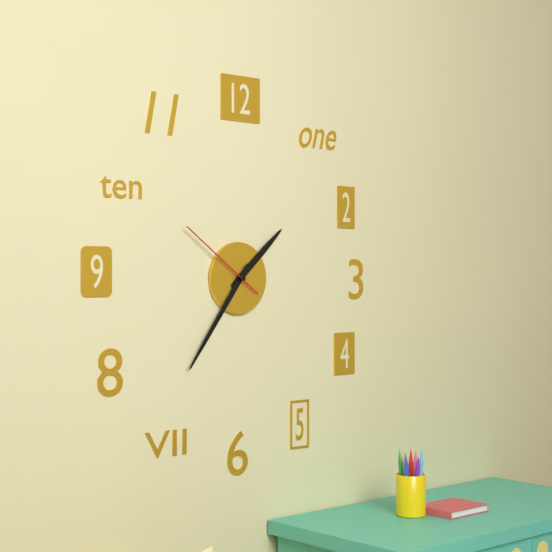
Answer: h=1 m=36 s=51
